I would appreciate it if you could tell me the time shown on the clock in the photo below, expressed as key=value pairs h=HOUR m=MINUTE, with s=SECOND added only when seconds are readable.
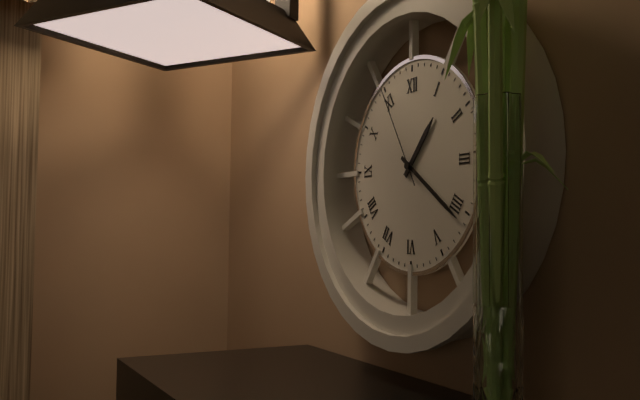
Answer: h=1 m=21 s=55
